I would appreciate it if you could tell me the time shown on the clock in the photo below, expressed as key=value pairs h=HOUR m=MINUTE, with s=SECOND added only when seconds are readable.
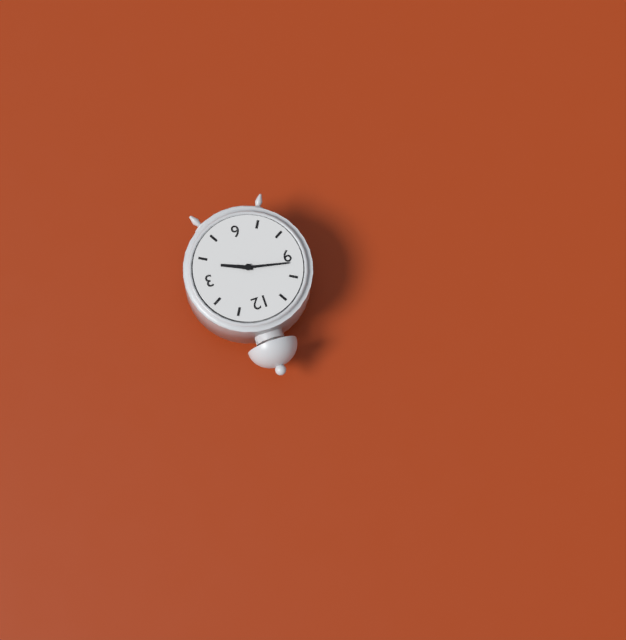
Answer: h=3 m=47
